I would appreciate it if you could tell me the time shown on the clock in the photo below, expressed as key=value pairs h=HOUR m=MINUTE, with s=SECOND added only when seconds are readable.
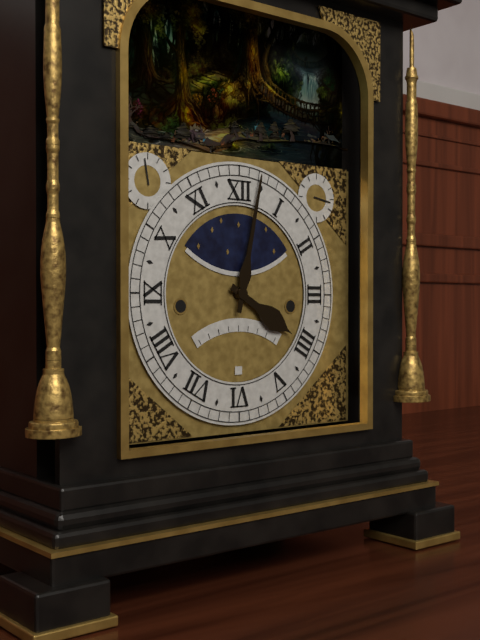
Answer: h=4 m=2
